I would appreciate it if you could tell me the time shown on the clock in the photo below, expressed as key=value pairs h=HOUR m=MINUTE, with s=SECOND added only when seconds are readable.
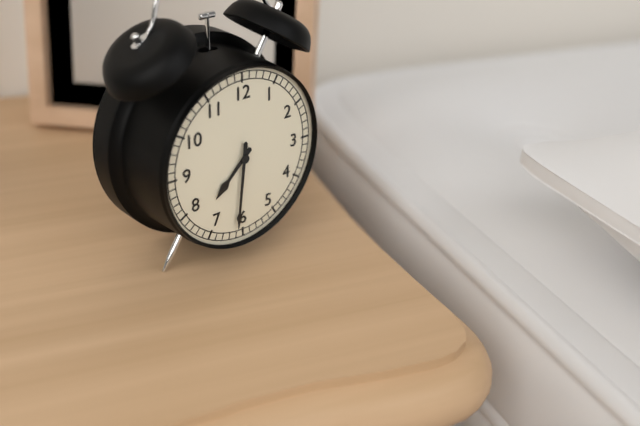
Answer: h=7 m=31
